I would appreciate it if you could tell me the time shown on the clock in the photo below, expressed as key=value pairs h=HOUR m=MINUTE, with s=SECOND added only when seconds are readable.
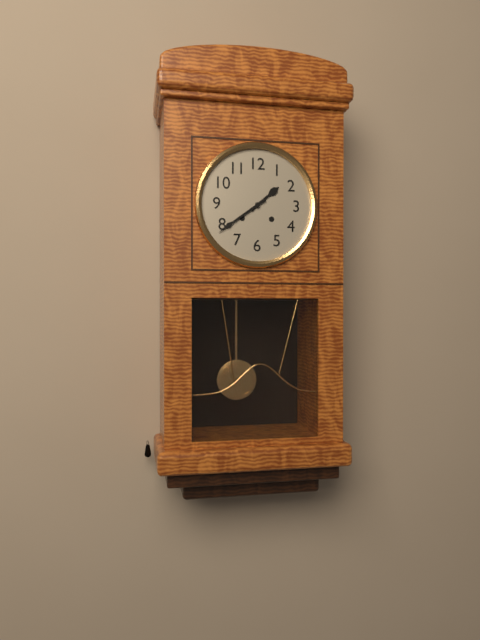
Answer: h=1 m=39
